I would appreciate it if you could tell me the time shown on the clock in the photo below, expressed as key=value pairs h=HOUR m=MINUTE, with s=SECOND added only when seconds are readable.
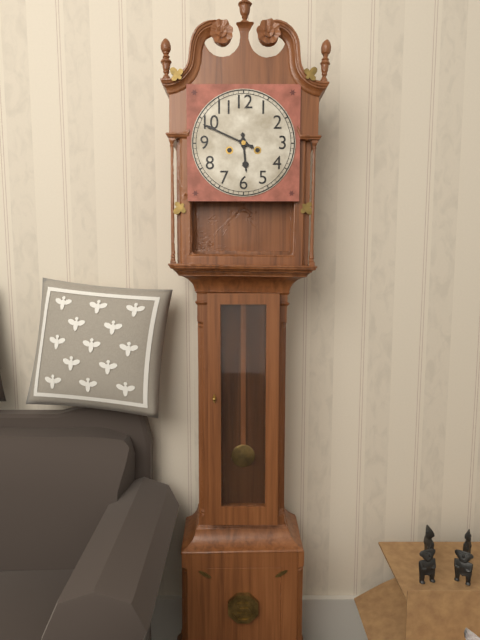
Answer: h=5 m=49
